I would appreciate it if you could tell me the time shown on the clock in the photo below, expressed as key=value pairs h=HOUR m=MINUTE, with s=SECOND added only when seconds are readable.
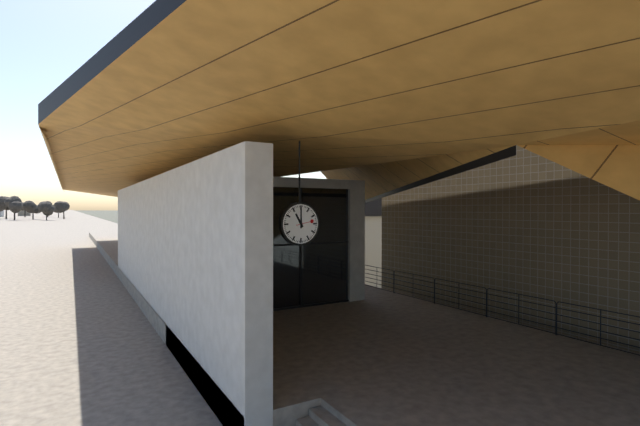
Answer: h=11 m=0
